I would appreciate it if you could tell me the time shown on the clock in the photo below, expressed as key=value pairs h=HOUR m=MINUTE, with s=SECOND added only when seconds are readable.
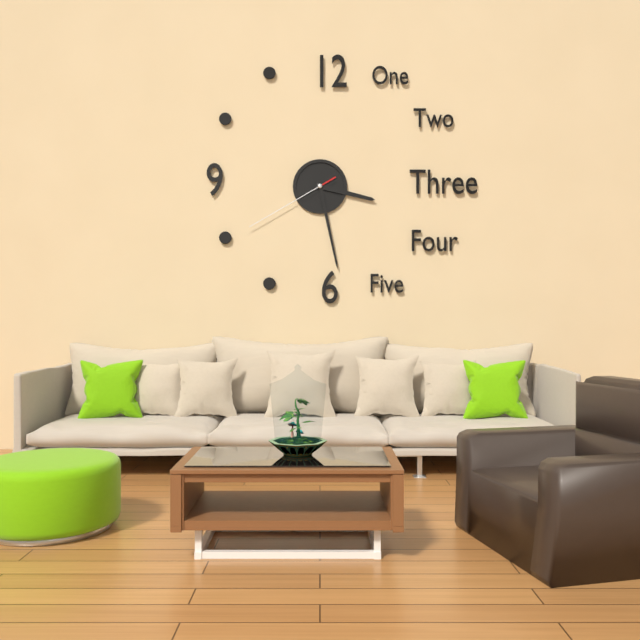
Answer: h=3 m=28 s=40
